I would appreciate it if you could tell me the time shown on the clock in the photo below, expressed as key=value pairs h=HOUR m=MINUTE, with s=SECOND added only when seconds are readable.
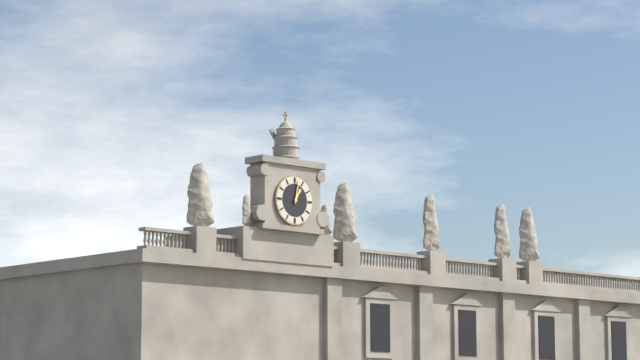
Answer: h=1 m=2
